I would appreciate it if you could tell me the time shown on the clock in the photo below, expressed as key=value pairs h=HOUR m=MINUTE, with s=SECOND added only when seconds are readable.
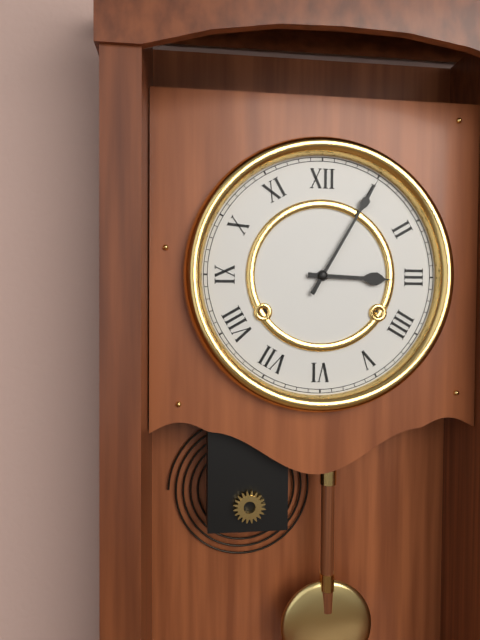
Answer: h=3 m=5
